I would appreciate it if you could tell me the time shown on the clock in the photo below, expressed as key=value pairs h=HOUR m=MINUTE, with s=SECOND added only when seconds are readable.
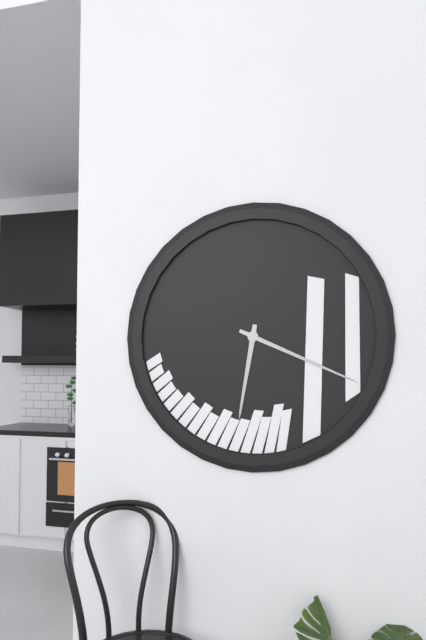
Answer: h=6 m=19
